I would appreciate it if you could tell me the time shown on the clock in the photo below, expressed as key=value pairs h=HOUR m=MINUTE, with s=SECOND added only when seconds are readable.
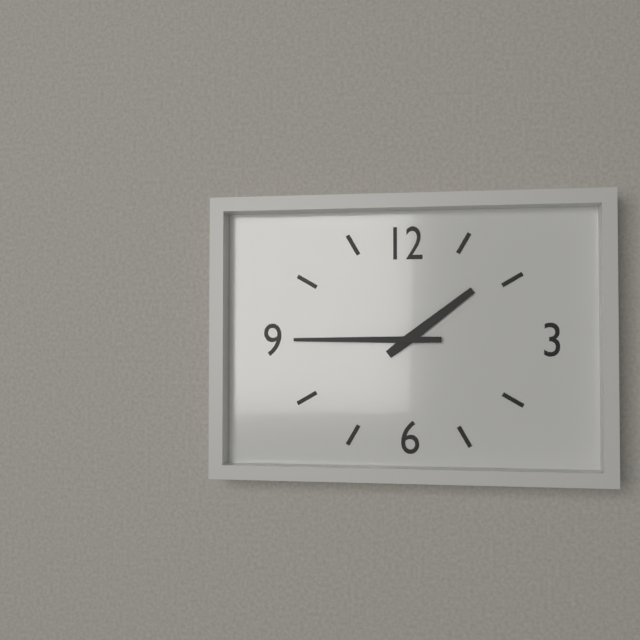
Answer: h=1 m=45
